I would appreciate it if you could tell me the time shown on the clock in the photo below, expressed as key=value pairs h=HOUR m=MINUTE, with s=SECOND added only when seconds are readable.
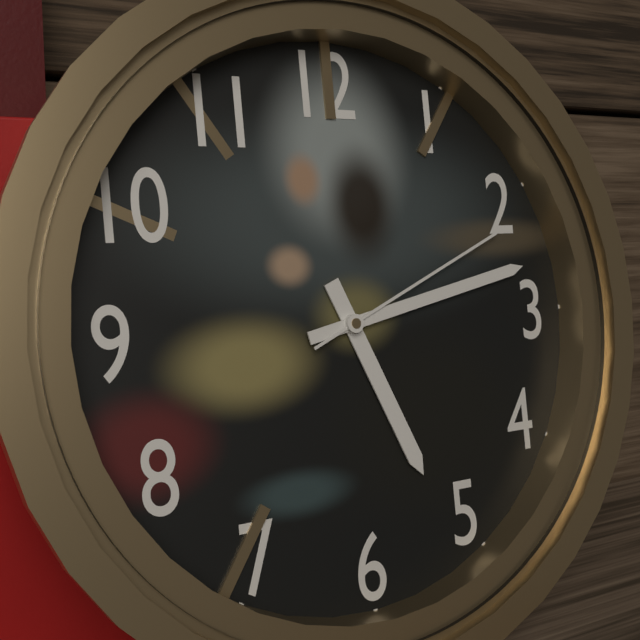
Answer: h=5 m=13 s=11
